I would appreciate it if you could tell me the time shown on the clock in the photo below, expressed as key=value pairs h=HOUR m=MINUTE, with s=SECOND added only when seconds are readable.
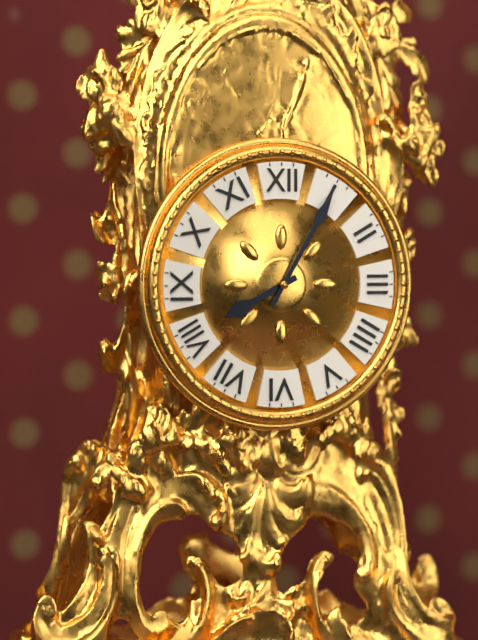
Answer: h=8 m=5
